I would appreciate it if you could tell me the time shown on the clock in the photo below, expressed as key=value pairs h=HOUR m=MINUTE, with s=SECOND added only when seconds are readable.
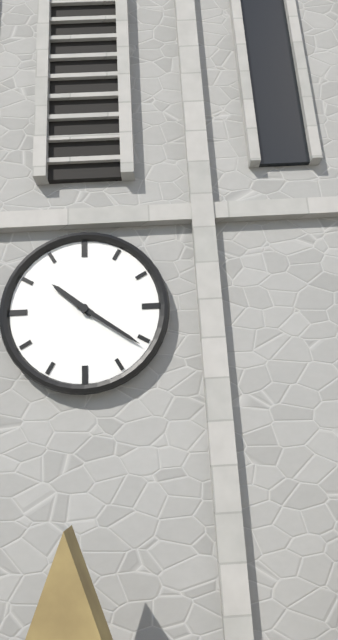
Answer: h=10 m=21
